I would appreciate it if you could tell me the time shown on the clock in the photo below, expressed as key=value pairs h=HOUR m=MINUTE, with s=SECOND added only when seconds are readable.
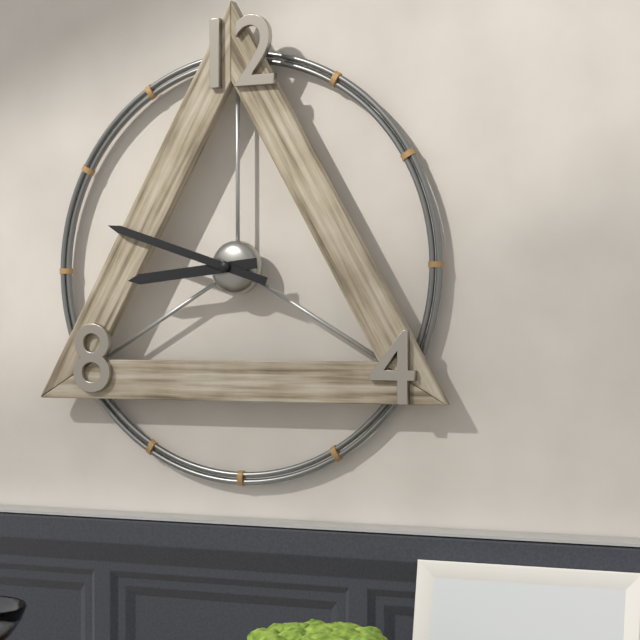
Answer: h=8 m=48
